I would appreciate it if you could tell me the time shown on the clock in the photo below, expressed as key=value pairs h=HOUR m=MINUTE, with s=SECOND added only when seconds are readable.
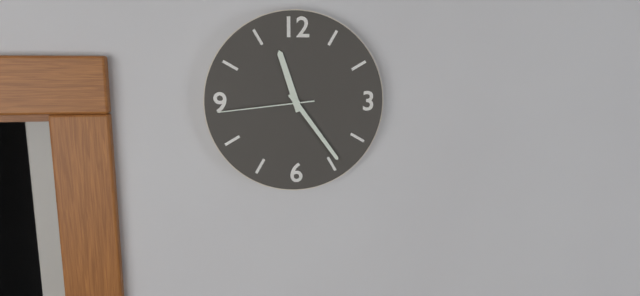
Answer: h=11 m=24 s=44
